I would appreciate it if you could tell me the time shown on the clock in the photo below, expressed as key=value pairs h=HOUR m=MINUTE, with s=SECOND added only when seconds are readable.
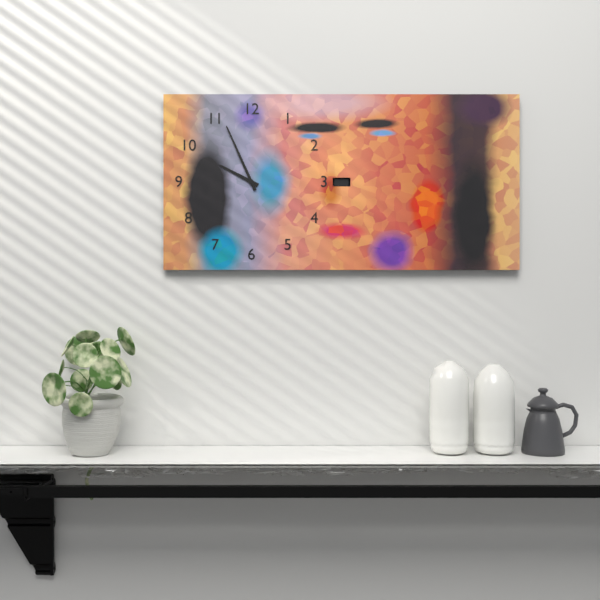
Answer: h=9 m=56
